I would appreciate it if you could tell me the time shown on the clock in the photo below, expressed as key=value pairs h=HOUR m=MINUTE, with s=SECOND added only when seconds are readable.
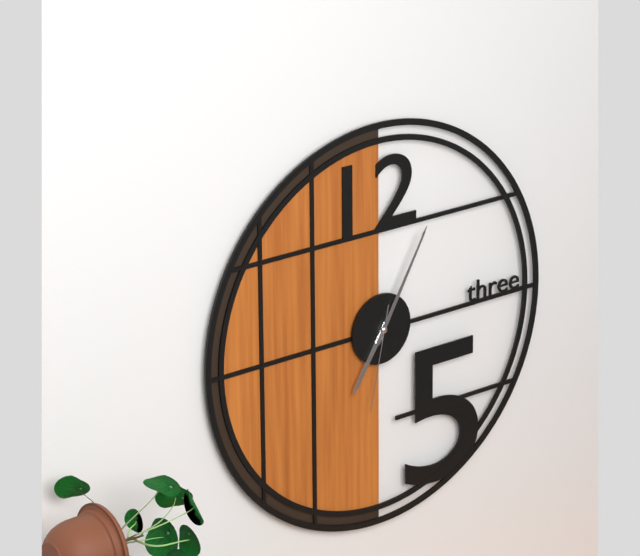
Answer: h=7 m=5 s=32
